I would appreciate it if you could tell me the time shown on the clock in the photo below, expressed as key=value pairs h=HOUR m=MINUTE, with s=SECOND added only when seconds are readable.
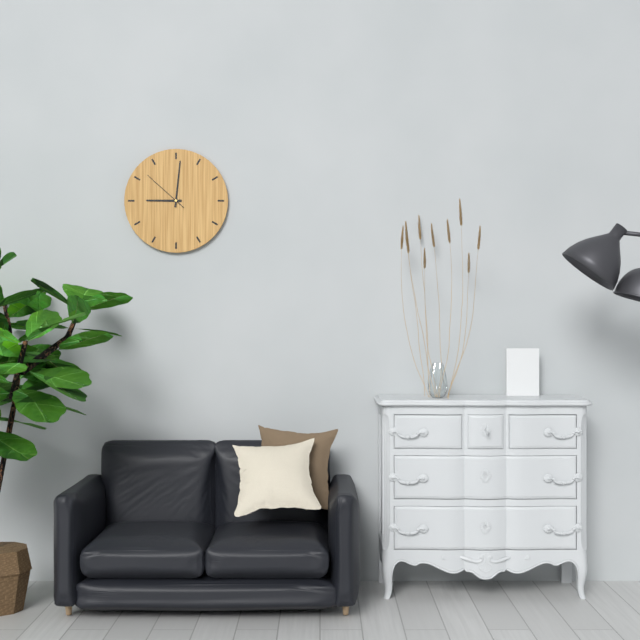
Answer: h=9 m=1
